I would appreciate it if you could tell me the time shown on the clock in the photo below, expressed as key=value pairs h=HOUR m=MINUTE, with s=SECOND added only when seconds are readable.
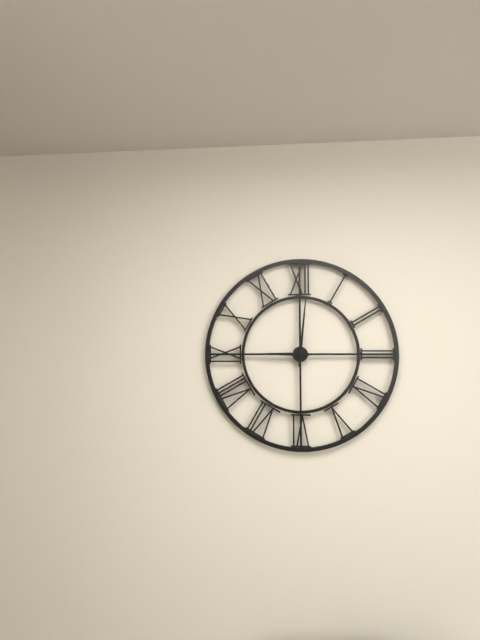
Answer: h=9 m=1
